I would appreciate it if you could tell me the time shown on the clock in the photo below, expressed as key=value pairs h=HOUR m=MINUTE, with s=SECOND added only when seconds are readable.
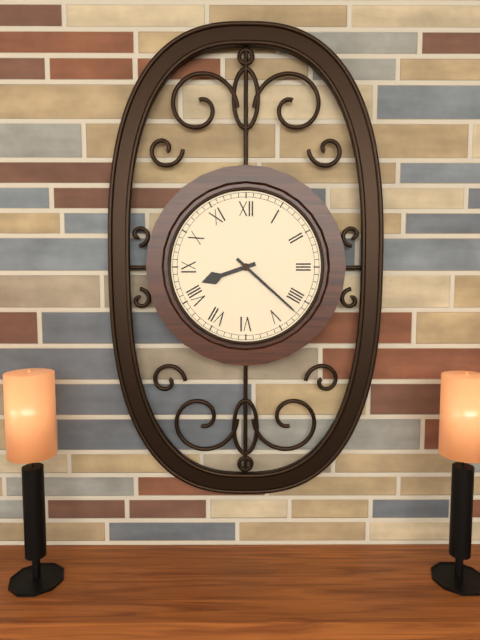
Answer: h=8 m=22
